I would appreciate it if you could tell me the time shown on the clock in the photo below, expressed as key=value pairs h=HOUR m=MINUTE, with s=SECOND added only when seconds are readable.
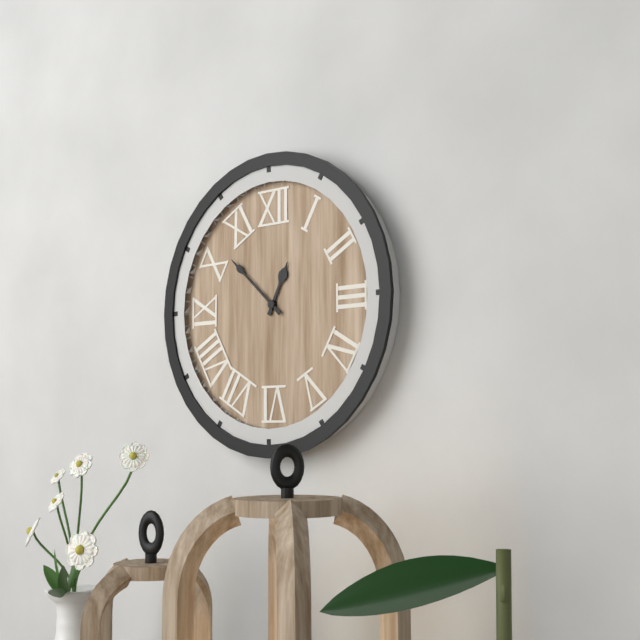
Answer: h=12 m=52
